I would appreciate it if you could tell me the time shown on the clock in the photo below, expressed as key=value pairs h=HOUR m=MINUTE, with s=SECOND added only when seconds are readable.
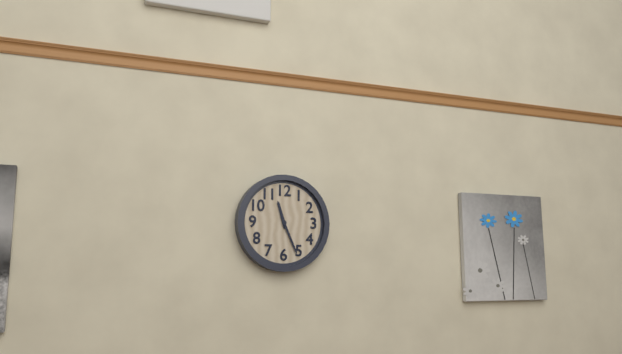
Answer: h=11 m=26
